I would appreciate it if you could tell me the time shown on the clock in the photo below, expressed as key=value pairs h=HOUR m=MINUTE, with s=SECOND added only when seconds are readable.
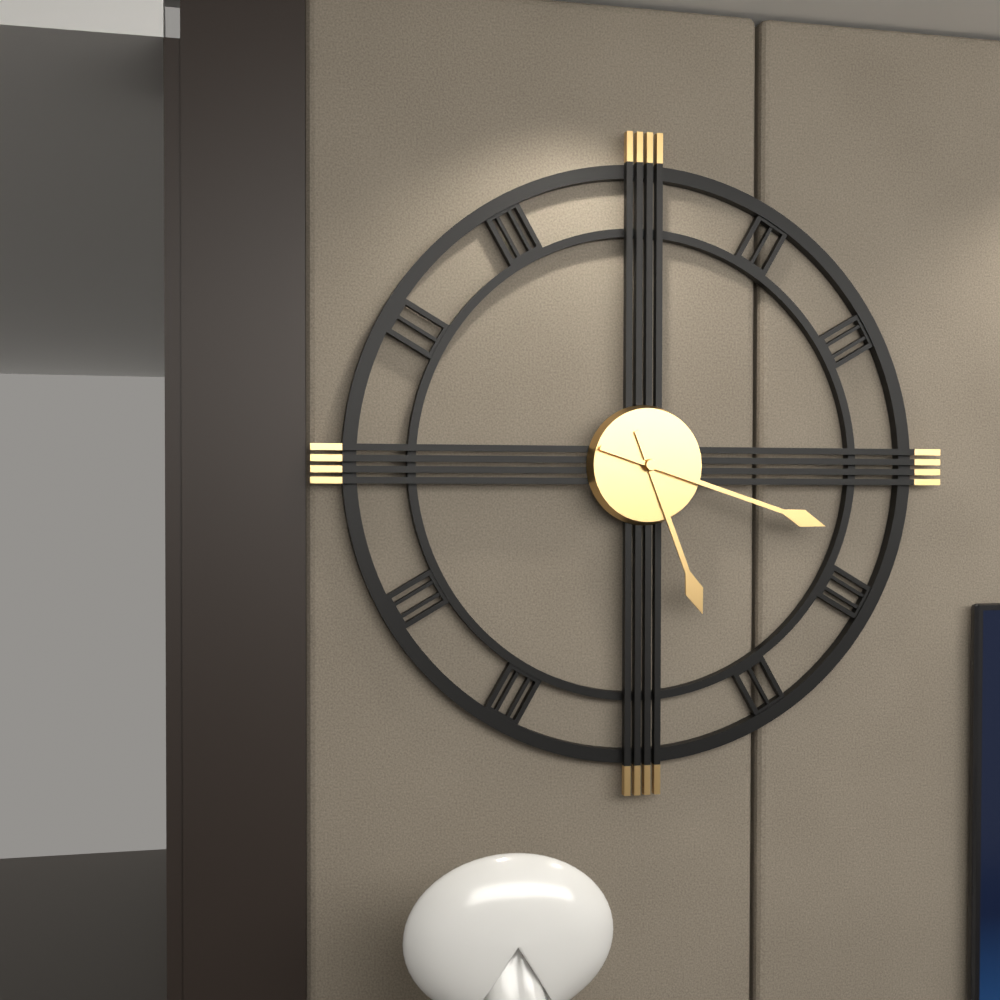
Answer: h=5 m=18
